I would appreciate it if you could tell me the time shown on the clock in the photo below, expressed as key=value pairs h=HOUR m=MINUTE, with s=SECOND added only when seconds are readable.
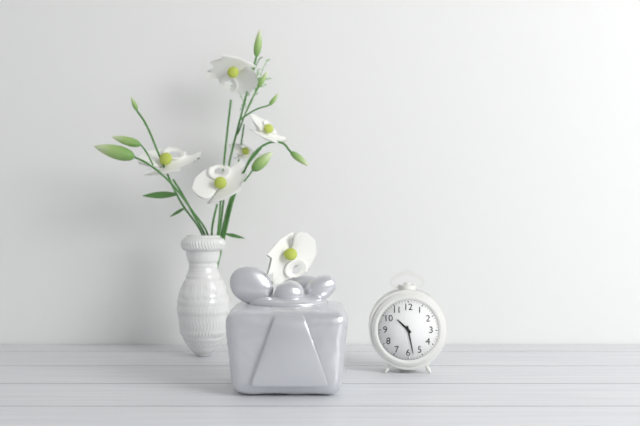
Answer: h=10 m=28
